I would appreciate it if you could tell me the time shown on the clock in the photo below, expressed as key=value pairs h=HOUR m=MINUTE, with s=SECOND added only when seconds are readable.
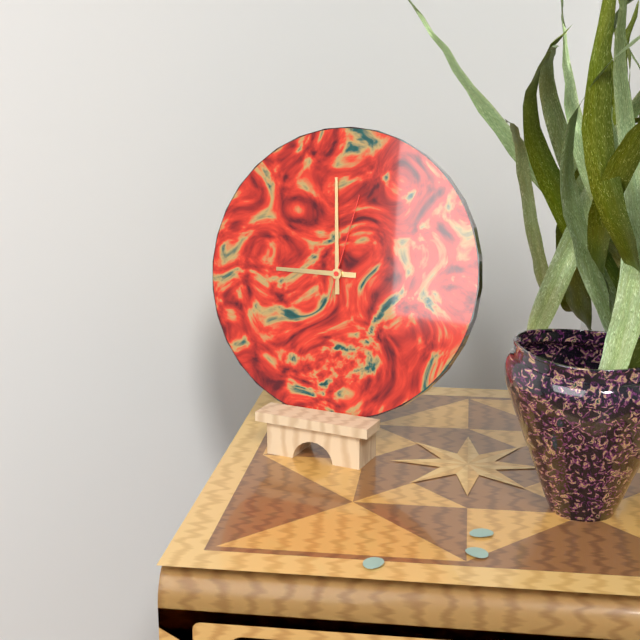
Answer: h=8 m=59 s=2
